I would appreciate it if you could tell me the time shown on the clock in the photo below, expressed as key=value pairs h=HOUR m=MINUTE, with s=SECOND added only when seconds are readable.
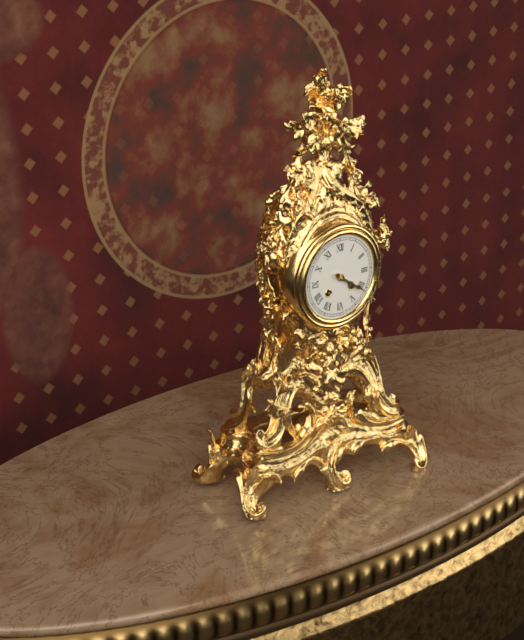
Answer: h=4 m=21
